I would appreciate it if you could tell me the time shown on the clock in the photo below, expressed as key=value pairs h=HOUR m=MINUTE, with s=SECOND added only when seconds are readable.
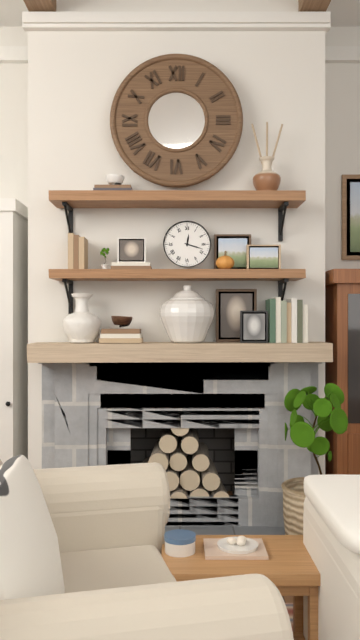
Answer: h=12 m=18
